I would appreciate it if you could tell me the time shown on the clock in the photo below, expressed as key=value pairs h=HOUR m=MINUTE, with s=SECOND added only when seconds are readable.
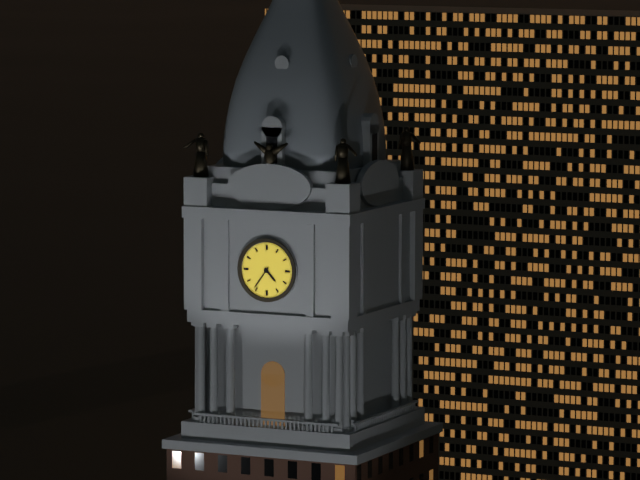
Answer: h=4 m=36
